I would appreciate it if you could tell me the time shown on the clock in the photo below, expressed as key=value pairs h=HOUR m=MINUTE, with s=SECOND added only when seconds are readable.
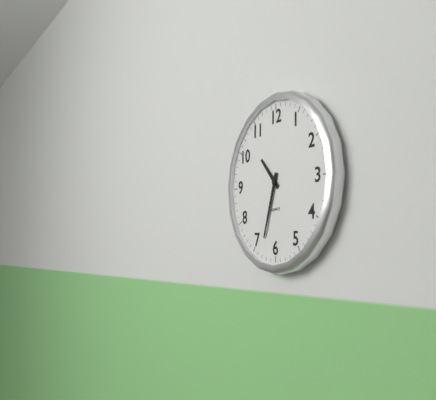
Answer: h=10 m=33
